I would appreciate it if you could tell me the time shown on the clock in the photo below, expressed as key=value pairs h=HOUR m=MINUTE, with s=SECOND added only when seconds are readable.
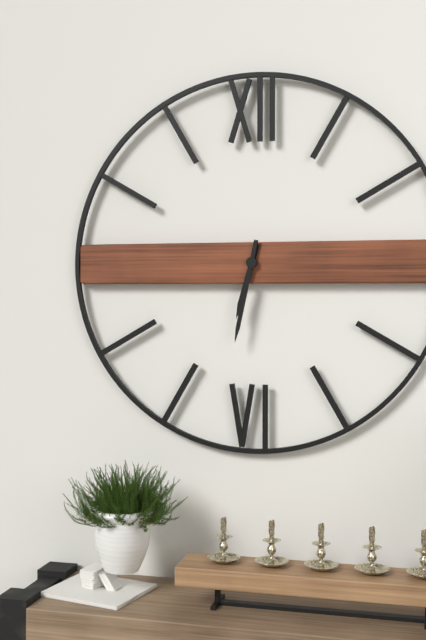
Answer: h=6 m=32
